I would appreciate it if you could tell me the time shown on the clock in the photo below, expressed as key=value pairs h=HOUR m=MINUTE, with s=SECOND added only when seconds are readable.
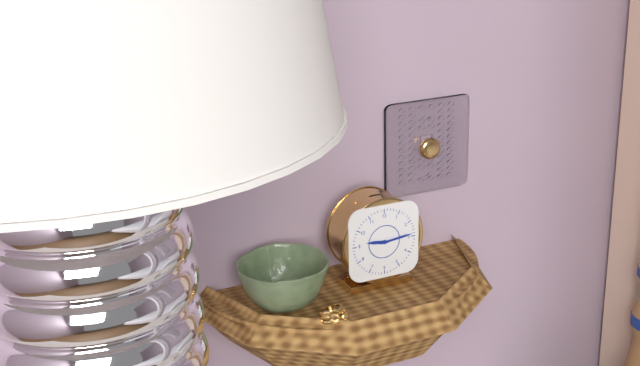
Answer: h=9 m=14
